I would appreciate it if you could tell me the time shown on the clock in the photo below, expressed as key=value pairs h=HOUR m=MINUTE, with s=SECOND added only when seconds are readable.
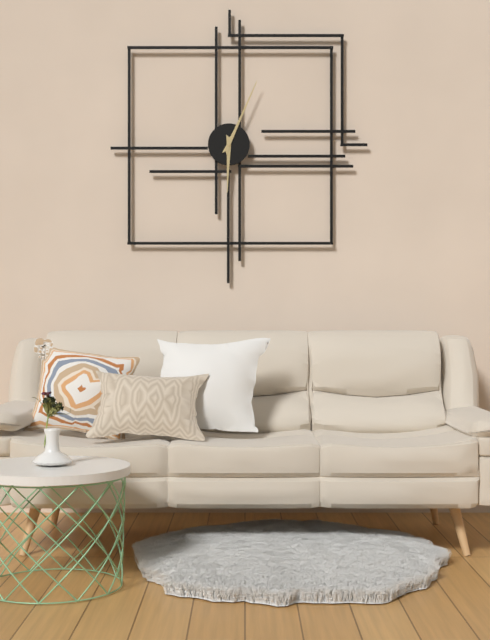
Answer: h=6 m=4
